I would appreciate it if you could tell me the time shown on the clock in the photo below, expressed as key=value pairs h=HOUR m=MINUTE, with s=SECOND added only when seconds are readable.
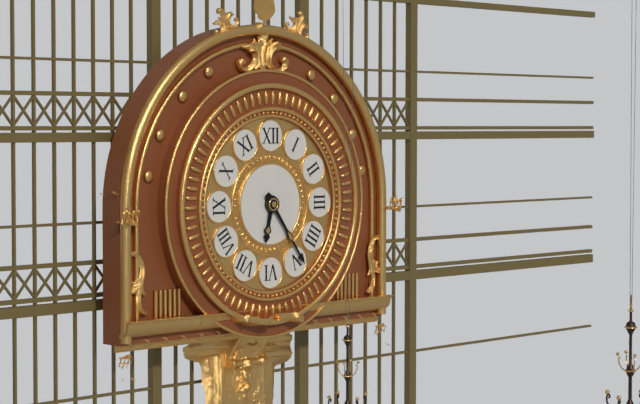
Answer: h=6 m=24
